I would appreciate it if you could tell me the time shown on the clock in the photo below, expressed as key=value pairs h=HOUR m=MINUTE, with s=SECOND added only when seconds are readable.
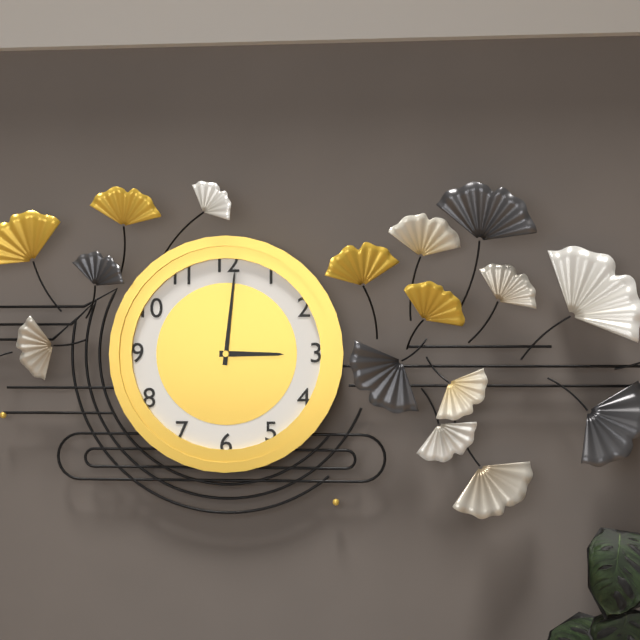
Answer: h=3 m=1
